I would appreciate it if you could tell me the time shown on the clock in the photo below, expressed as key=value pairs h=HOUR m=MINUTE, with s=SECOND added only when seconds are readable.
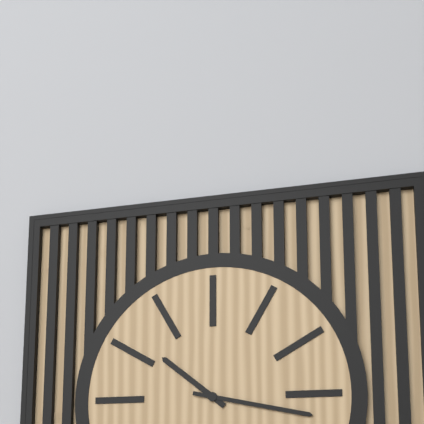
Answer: h=10 m=17
